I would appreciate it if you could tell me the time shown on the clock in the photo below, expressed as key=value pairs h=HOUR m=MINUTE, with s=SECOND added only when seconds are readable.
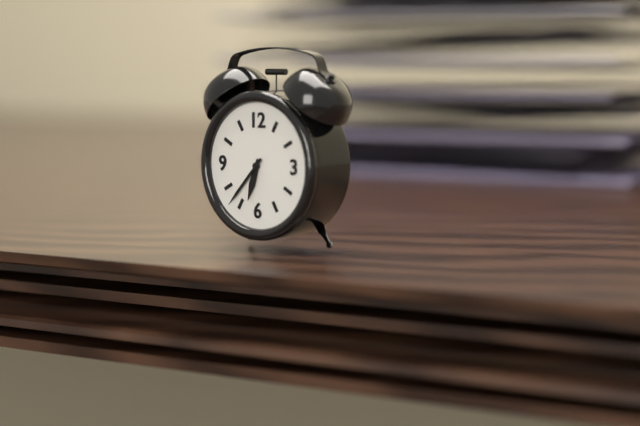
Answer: h=6 m=37
